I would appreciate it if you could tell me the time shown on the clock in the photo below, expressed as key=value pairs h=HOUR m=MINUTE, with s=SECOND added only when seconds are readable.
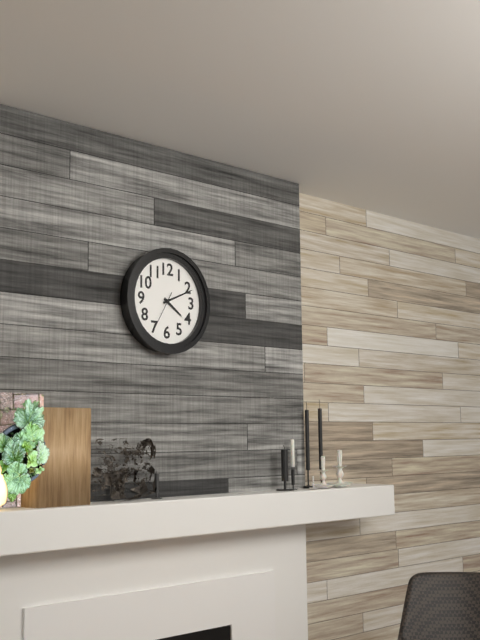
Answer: h=4 m=11
